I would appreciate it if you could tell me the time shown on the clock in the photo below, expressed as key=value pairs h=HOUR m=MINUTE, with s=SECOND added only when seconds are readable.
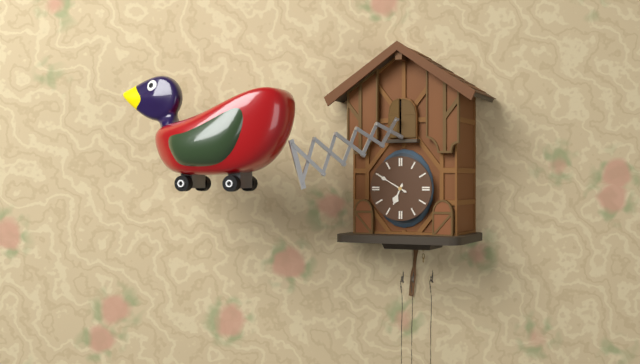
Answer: h=6 m=50
